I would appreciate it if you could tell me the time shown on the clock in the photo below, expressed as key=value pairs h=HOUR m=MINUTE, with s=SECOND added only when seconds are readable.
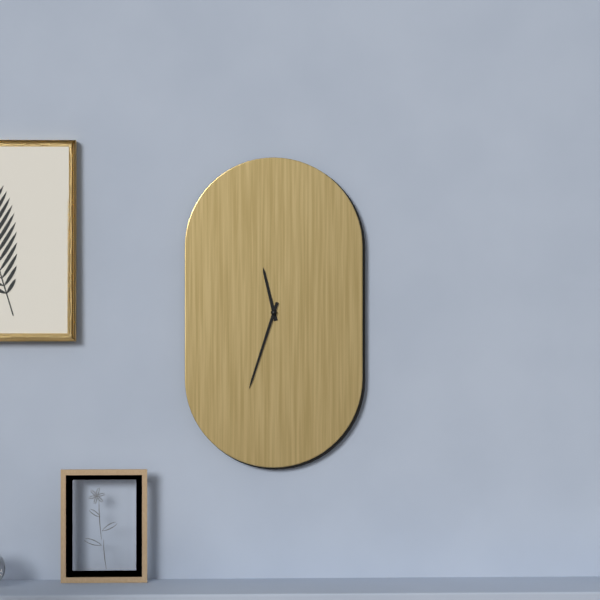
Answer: h=11 m=33
